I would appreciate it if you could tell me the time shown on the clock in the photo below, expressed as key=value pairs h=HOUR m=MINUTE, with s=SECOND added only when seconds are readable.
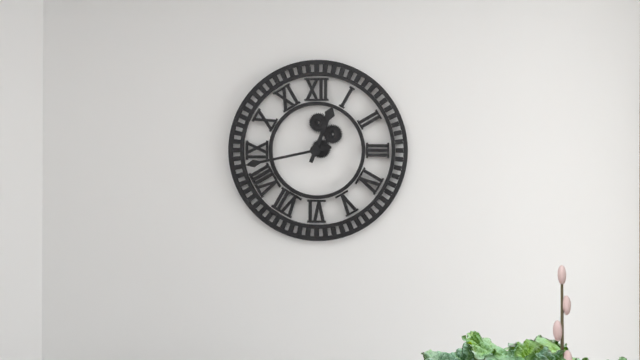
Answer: h=12 m=43
